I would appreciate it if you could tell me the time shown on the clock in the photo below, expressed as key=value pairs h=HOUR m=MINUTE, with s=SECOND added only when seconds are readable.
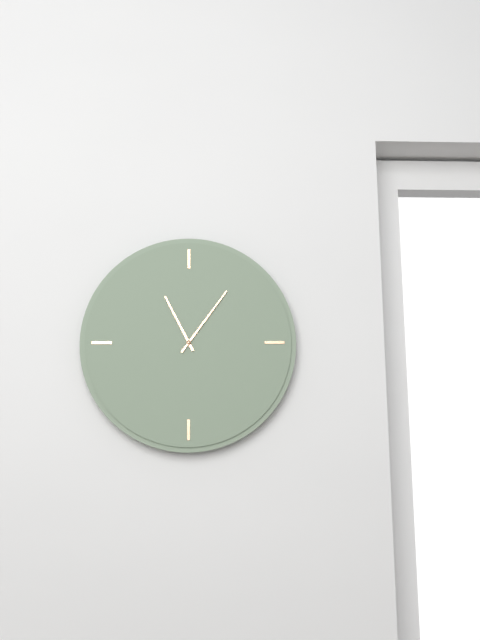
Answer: h=11 m=6
